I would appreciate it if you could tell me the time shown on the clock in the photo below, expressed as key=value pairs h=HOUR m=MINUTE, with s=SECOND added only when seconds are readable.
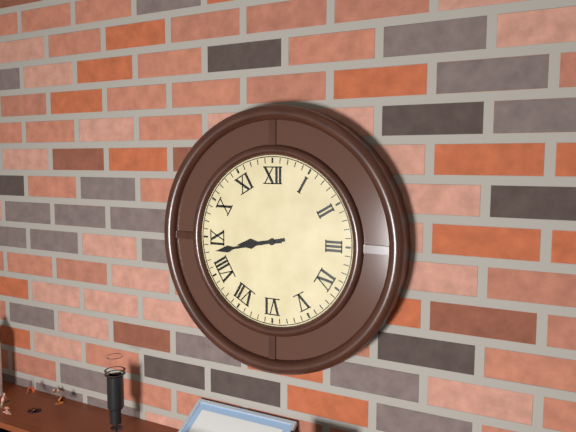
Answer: h=8 m=43
